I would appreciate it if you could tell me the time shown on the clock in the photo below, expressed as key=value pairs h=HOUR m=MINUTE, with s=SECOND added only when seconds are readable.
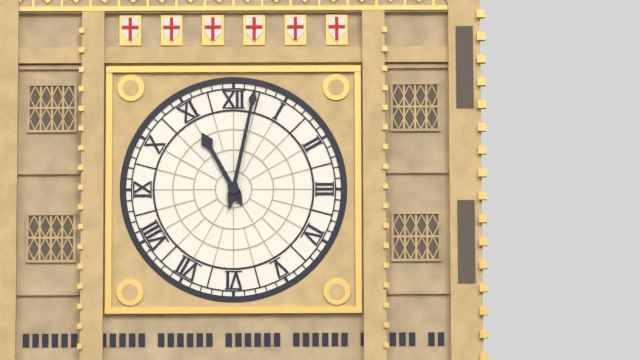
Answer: h=11 m=2
